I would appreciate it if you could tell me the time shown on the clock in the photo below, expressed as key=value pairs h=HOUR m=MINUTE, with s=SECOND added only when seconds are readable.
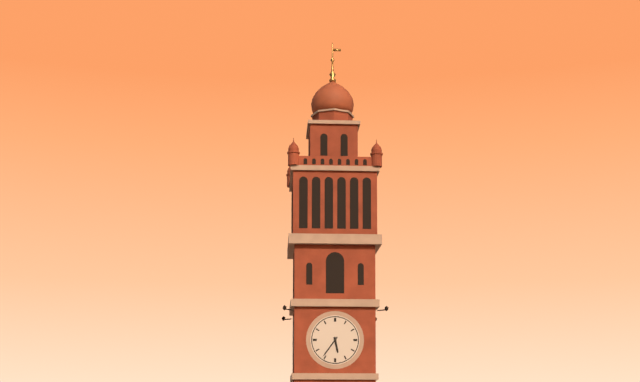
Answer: h=5 m=36
